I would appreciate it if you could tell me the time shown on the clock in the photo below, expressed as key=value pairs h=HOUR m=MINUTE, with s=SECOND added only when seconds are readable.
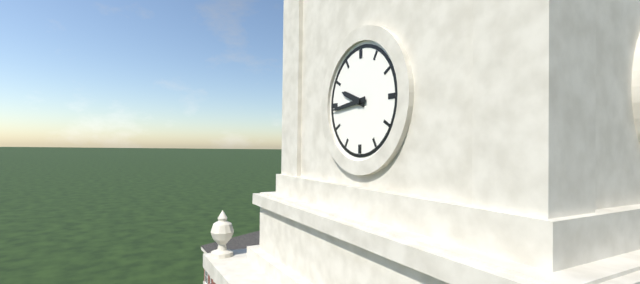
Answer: h=9 m=44
